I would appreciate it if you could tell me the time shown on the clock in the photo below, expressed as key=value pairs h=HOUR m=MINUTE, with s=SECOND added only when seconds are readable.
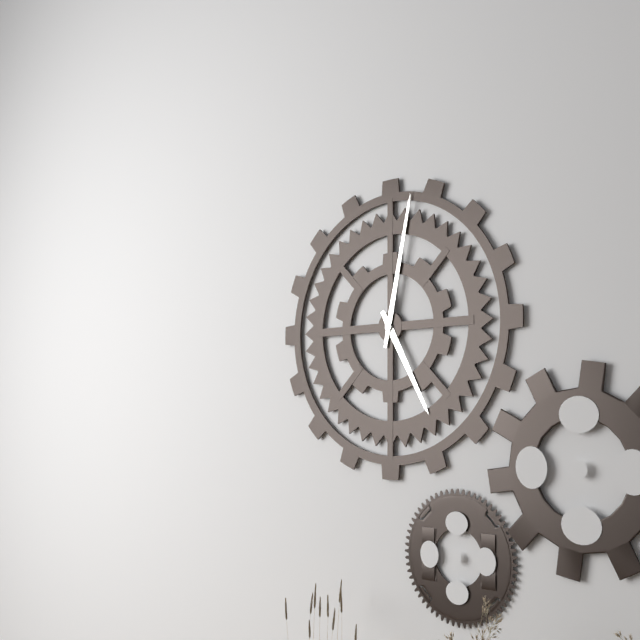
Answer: h=5 m=2
